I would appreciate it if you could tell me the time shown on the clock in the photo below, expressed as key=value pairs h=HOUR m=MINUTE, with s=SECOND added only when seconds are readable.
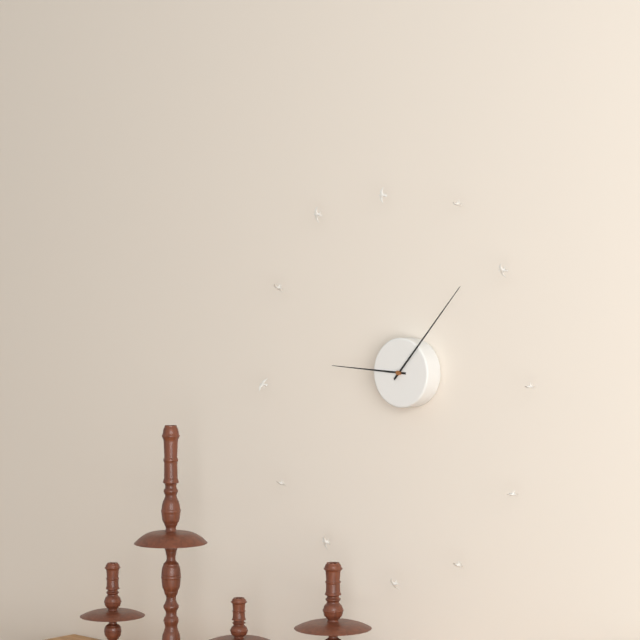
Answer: h=9 m=7
